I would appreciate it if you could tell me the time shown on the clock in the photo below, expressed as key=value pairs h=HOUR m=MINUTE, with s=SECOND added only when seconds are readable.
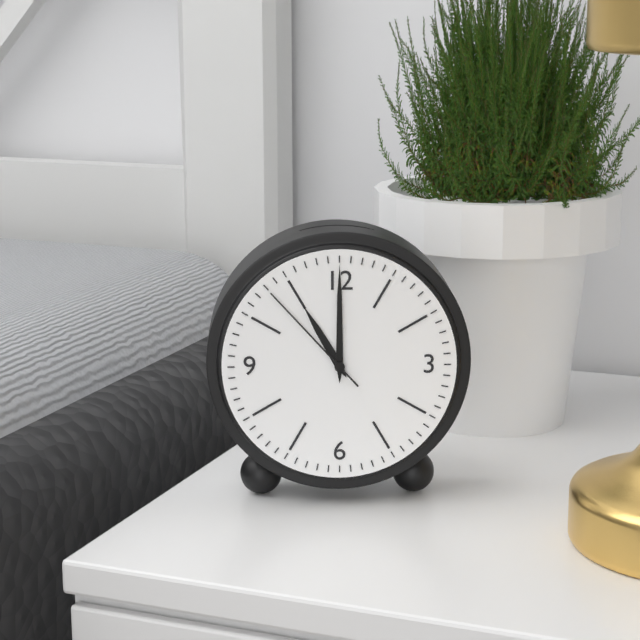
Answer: h=11 m=0 s=53
